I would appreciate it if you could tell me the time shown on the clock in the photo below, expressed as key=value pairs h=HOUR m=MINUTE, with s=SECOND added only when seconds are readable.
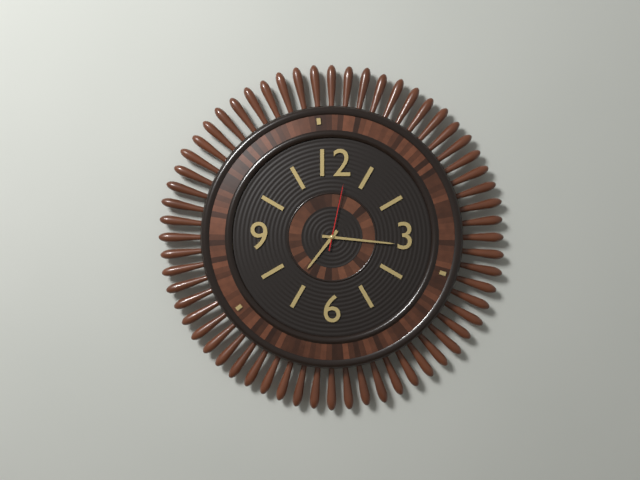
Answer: h=7 m=16 s=2
